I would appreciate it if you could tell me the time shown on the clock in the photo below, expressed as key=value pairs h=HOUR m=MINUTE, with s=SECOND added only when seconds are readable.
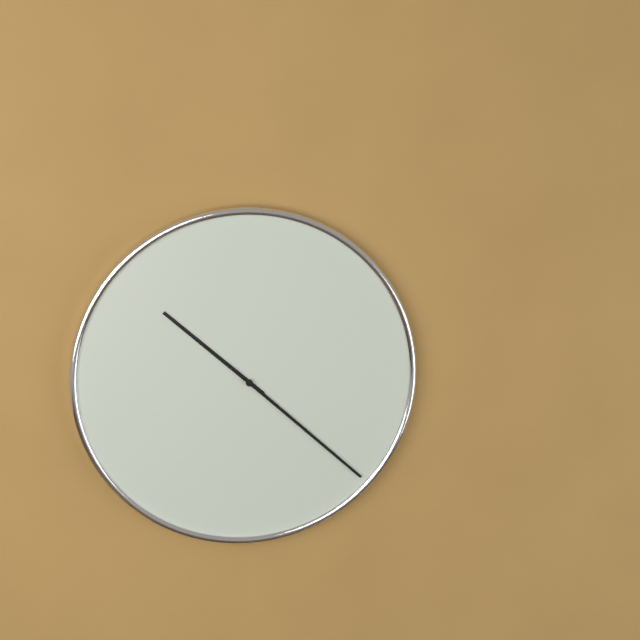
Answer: h=10 m=22
